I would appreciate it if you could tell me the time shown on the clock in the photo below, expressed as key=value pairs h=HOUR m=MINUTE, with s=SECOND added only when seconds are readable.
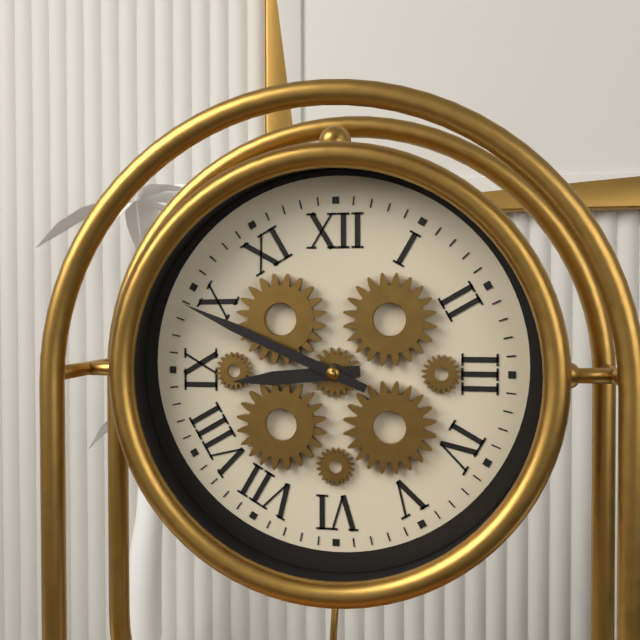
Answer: h=8 m=49
